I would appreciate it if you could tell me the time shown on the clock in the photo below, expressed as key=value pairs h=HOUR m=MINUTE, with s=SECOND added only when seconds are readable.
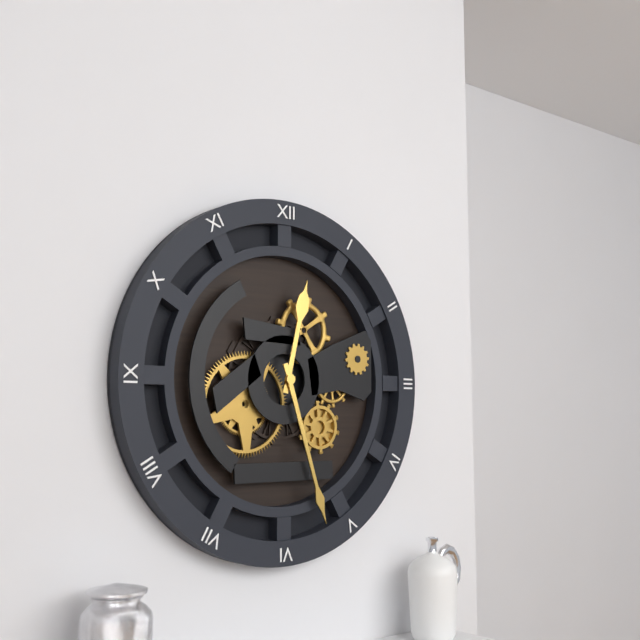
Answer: h=12 m=27
